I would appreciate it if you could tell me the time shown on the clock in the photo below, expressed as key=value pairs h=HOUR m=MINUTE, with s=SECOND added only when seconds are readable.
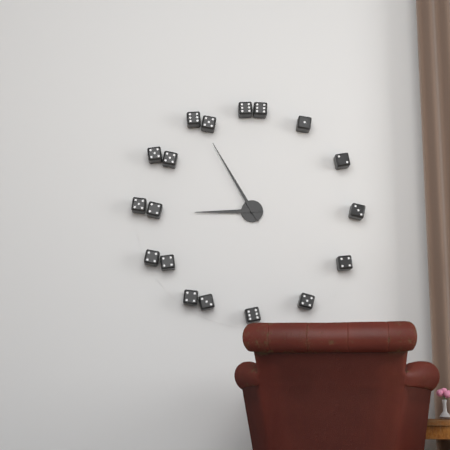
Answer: h=8 m=55
